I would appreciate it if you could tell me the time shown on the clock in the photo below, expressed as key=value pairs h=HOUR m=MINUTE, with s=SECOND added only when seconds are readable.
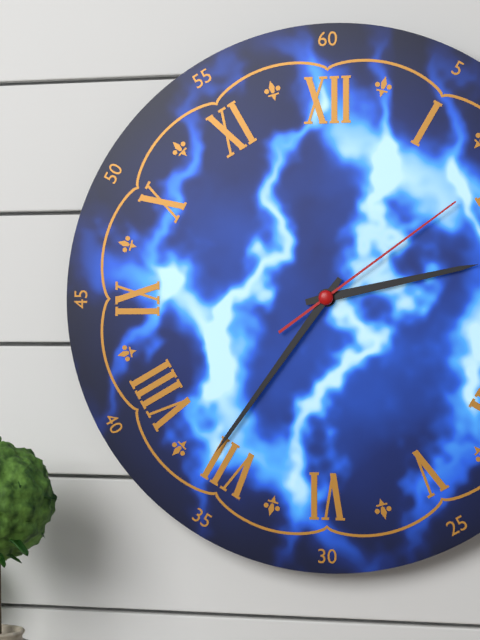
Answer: h=2 m=36 s=9
